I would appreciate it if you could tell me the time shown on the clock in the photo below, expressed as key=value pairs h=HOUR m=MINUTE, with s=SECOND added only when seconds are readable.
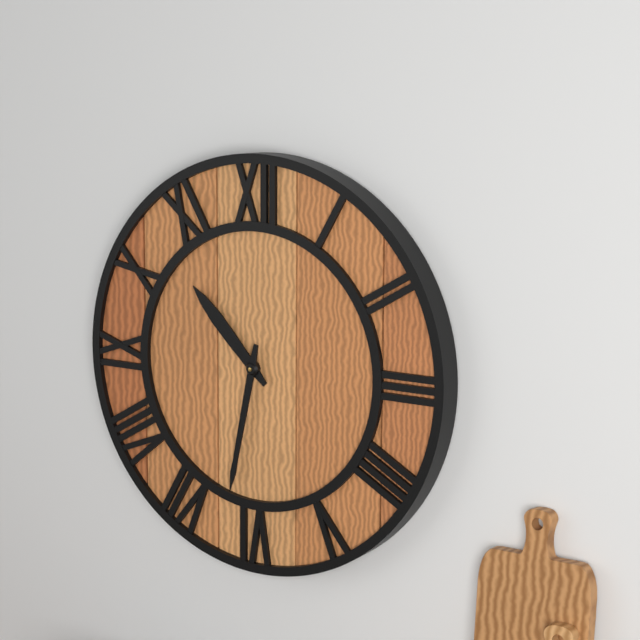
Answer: h=10 m=32
